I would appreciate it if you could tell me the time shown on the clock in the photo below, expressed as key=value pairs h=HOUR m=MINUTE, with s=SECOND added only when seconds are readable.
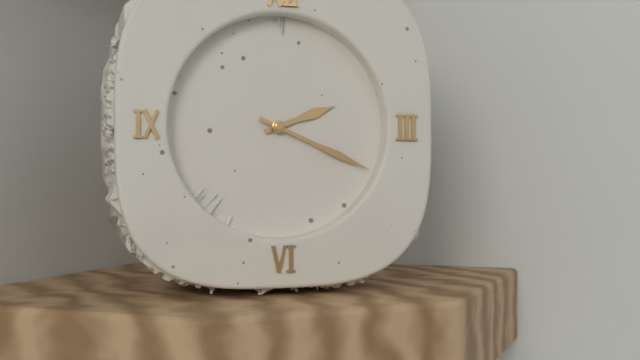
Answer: h=2 m=19
